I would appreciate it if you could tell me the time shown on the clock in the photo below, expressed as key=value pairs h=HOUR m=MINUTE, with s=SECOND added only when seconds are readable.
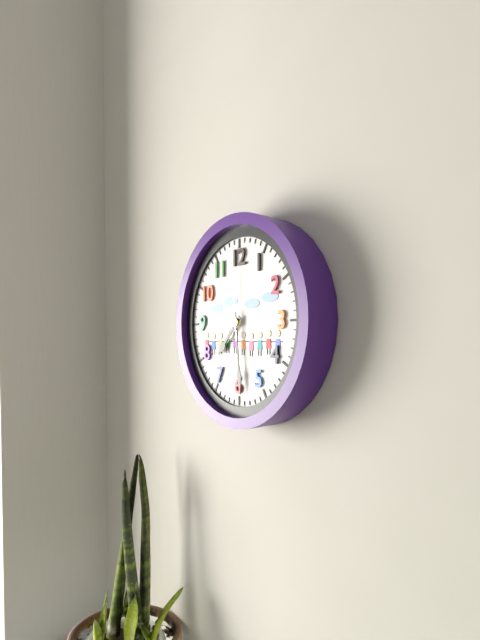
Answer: h=7 m=29 s=59
